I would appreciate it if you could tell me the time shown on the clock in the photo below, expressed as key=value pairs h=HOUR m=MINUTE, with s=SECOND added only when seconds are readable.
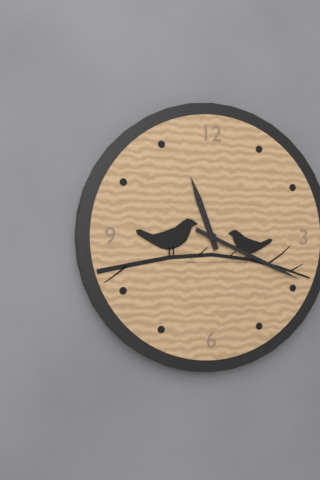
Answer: h=11 m=19
